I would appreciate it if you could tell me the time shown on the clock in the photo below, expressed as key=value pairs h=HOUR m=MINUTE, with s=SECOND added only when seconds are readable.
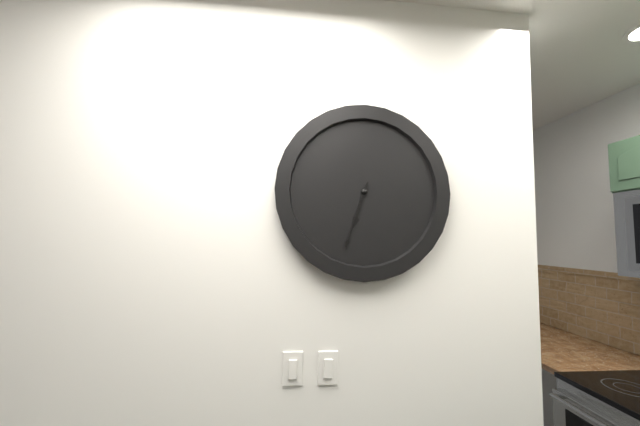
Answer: h=6 m=33
